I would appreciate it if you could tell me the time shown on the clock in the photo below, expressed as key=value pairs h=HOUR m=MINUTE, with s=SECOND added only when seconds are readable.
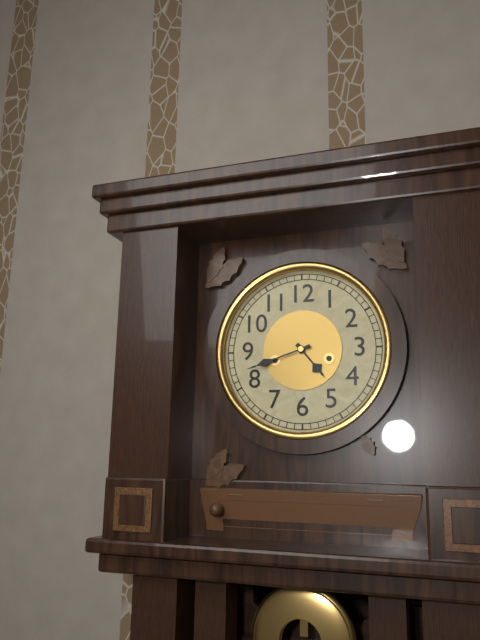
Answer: h=4 m=42
